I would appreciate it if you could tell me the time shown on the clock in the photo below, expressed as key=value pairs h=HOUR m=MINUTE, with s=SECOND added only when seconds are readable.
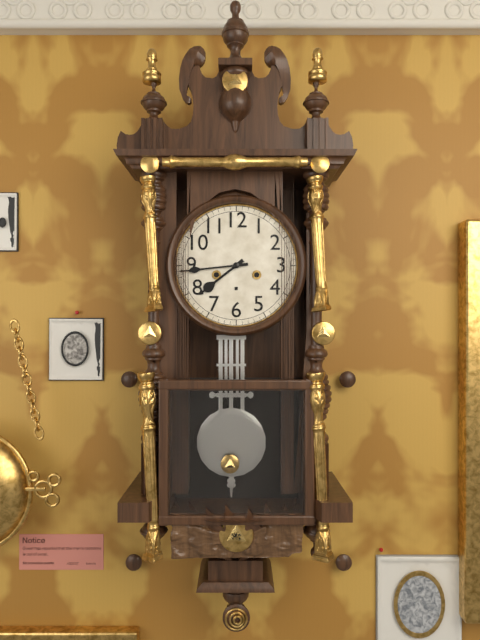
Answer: h=7 m=44
